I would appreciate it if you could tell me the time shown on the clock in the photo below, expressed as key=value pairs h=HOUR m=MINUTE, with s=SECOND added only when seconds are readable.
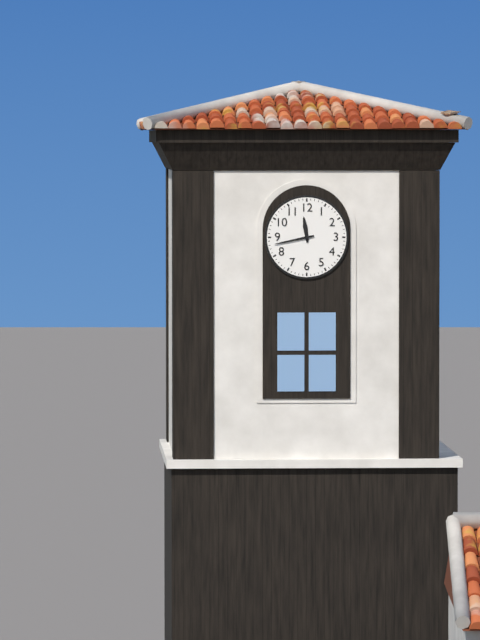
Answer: h=11 m=43
